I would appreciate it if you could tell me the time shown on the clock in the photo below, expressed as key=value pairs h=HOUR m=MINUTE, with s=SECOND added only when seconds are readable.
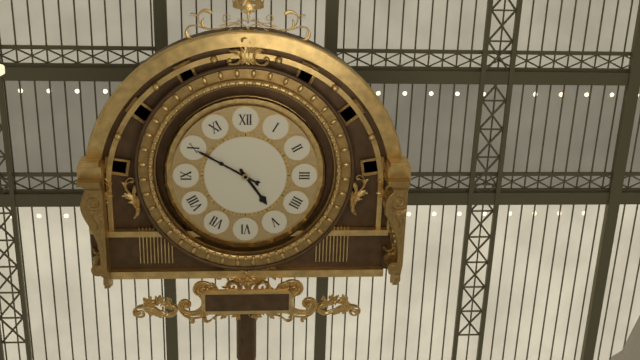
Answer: h=4 m=50
